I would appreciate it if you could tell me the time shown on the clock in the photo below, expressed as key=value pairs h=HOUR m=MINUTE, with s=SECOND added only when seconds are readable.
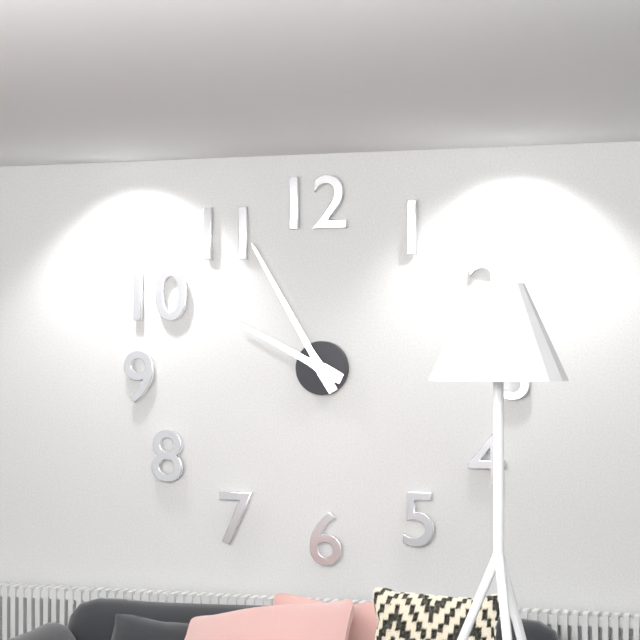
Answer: h=9 m=55
